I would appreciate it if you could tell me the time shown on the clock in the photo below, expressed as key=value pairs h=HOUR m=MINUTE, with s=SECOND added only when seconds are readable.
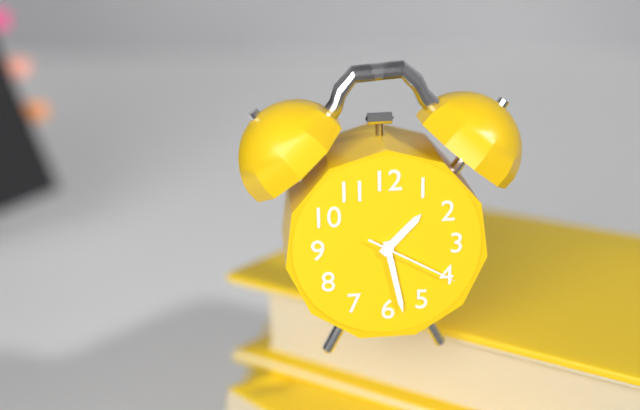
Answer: h=1 m=28 s=20
